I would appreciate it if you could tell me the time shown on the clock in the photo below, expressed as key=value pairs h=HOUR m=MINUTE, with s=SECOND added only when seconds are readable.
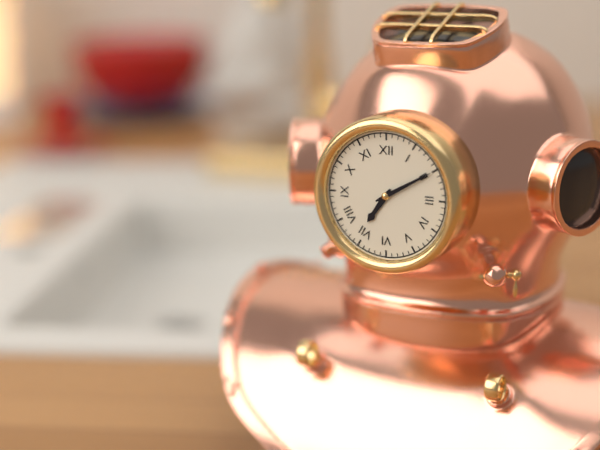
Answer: h=7 m=10
